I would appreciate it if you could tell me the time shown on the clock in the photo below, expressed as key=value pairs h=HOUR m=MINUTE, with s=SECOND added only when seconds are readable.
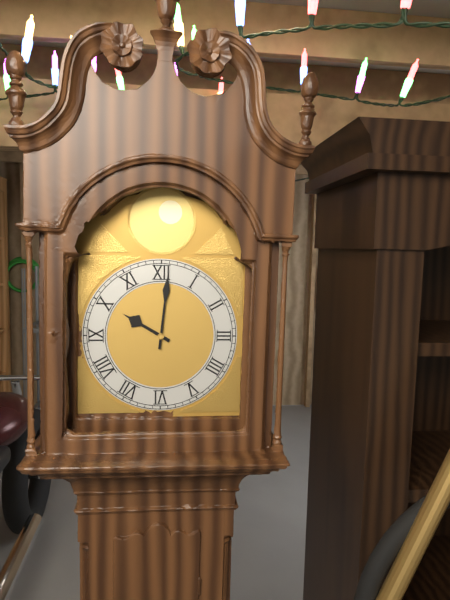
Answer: h=10 m=1
